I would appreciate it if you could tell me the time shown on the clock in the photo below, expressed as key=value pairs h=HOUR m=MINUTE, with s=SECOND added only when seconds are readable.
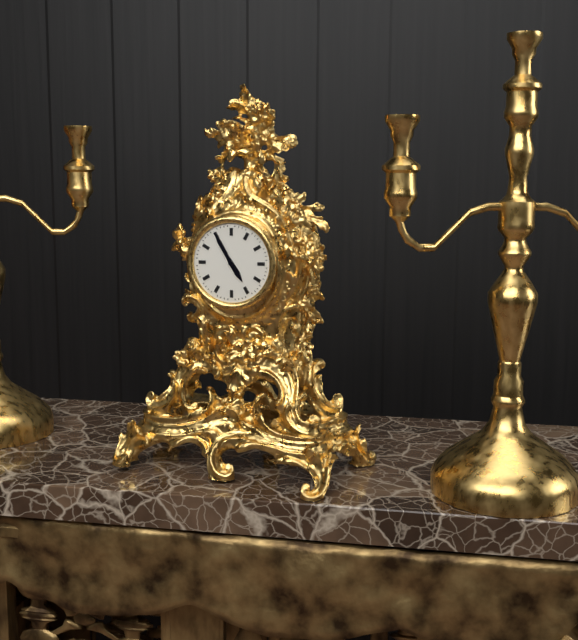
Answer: h=4 m=55
